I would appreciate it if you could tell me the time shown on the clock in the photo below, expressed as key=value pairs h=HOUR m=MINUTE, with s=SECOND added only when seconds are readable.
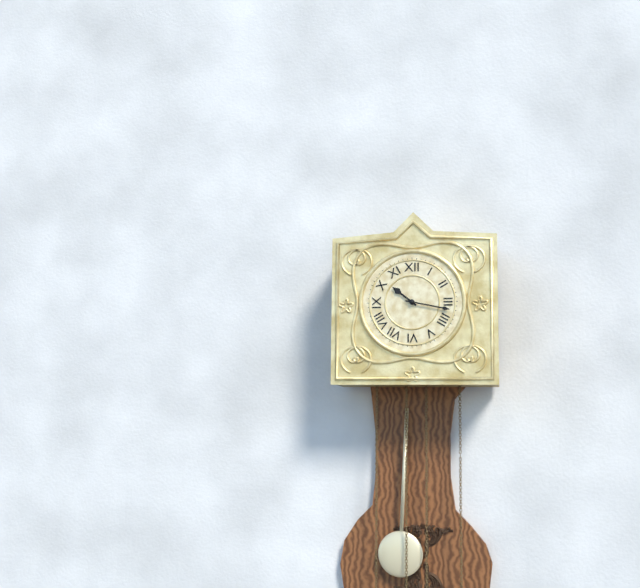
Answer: h=10 m=17
